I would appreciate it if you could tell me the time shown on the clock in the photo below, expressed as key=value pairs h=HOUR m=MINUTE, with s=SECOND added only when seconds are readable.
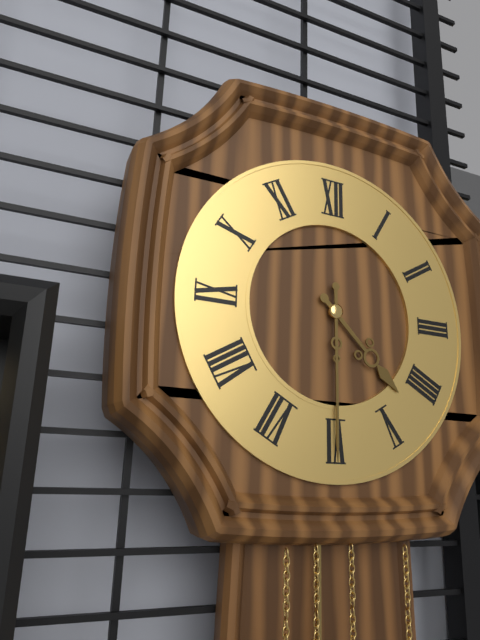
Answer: h=4 m=30
